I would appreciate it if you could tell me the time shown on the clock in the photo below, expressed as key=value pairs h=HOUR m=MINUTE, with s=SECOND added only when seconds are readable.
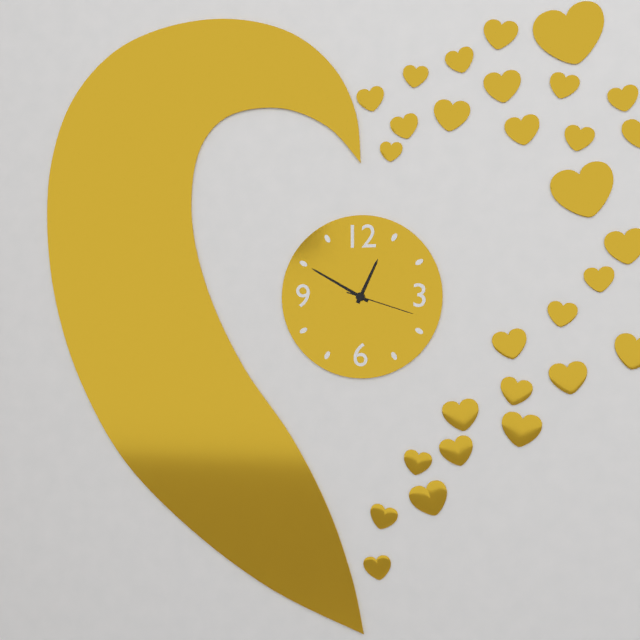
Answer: h=12 m=50 s=18
